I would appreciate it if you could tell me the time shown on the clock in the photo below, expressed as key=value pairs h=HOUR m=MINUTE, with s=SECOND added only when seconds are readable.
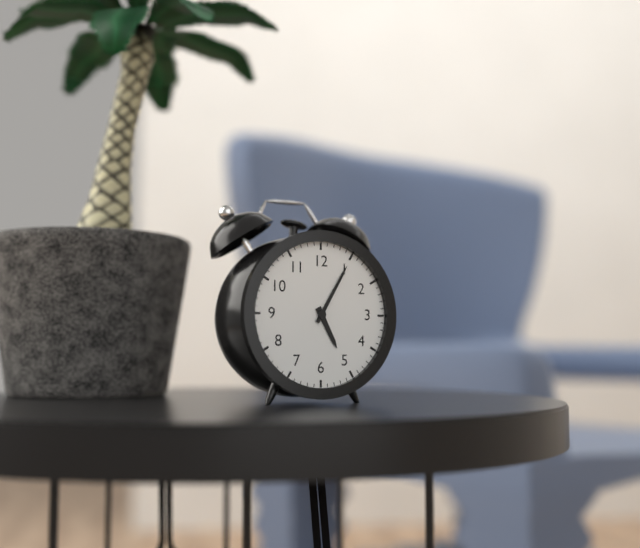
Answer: h=5 m=5
